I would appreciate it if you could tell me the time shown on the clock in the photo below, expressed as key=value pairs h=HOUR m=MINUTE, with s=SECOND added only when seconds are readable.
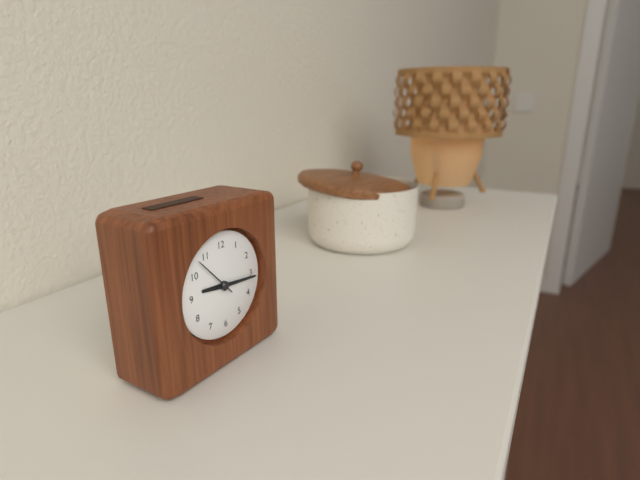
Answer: h=9 m=16
